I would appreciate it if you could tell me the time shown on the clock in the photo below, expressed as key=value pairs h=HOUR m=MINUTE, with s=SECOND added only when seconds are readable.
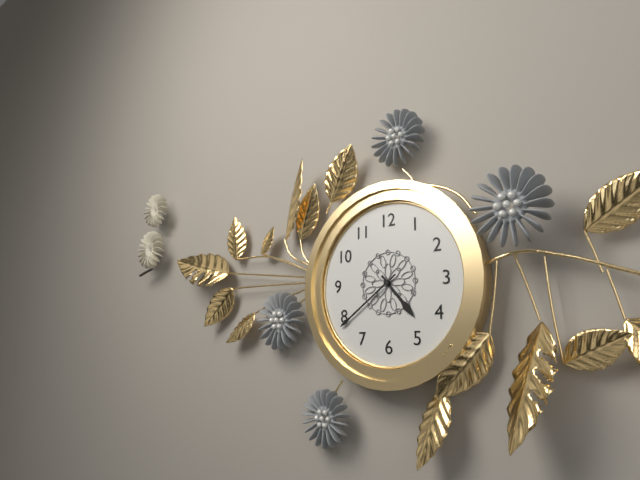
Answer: h=4 m=39
